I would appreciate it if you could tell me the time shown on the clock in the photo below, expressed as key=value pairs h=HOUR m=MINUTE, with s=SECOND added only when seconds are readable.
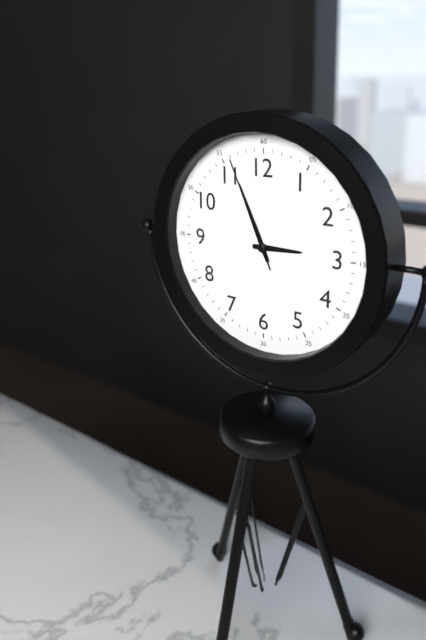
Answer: h=2 m=56 s=56
